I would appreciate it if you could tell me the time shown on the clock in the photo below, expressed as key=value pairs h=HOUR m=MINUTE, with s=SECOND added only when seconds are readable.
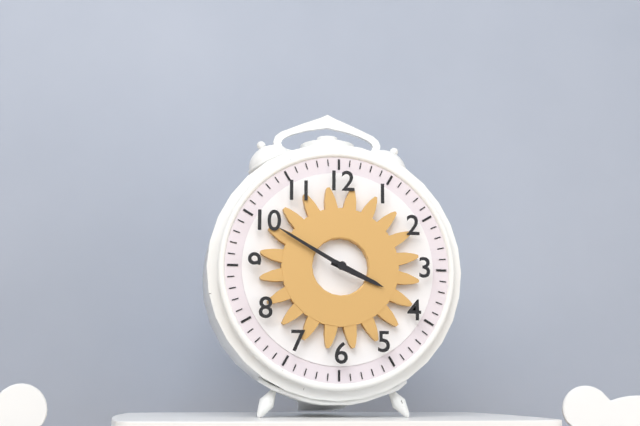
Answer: h=3 m=50
